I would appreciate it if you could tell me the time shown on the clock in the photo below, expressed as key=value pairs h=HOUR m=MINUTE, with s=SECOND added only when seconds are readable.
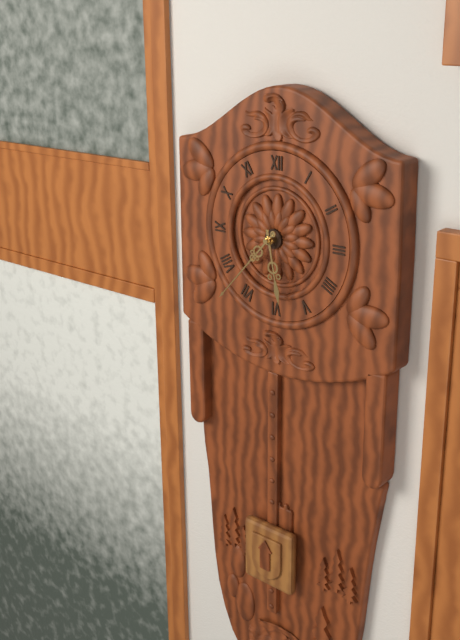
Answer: h=5 m=37
